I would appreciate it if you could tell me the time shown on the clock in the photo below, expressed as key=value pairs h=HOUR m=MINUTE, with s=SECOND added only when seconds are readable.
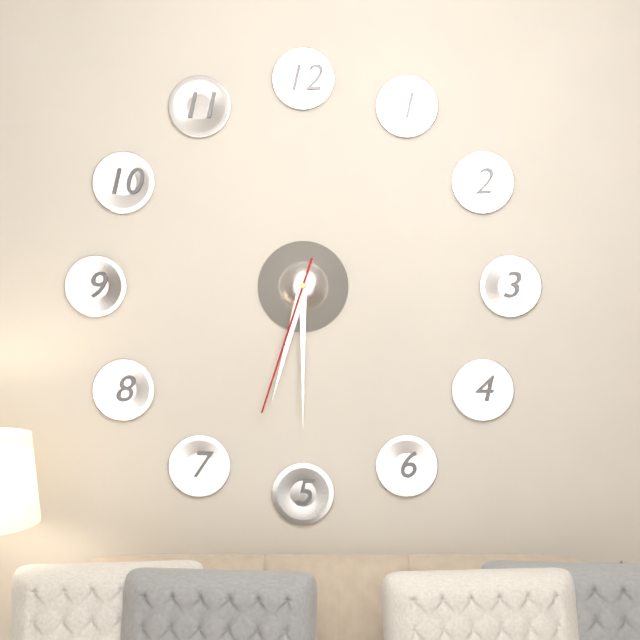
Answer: h=6 m=30 s=33
